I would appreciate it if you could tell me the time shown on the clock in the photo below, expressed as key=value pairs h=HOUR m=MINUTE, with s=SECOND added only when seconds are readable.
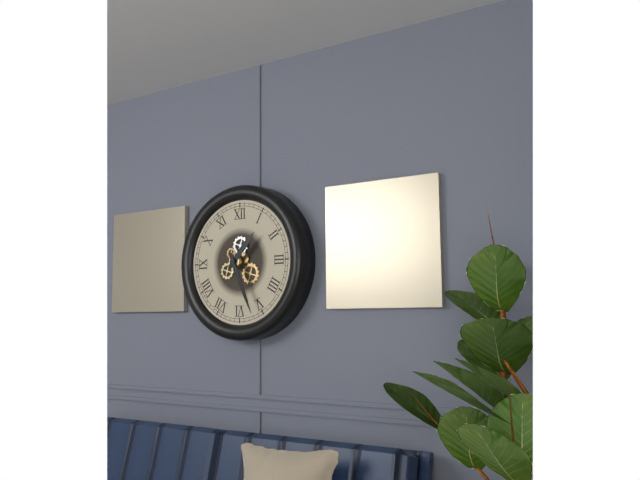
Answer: h=1 m=26
